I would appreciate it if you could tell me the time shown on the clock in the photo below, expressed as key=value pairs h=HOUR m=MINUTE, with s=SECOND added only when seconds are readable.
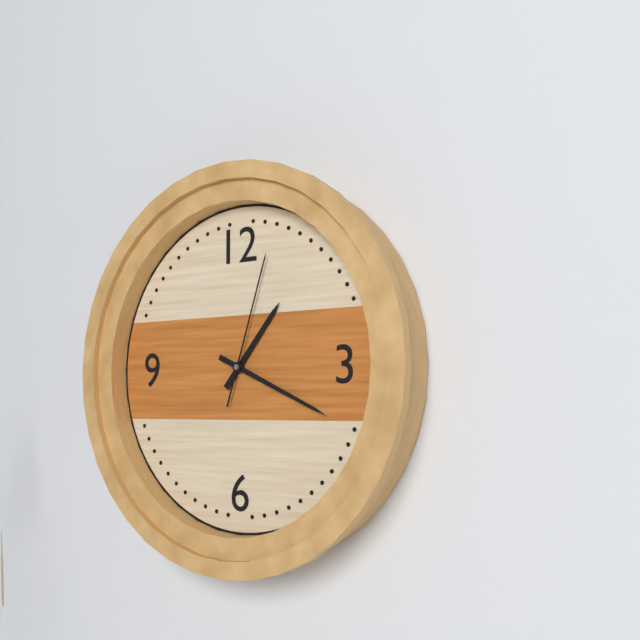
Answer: h=1 m=19 s=3
